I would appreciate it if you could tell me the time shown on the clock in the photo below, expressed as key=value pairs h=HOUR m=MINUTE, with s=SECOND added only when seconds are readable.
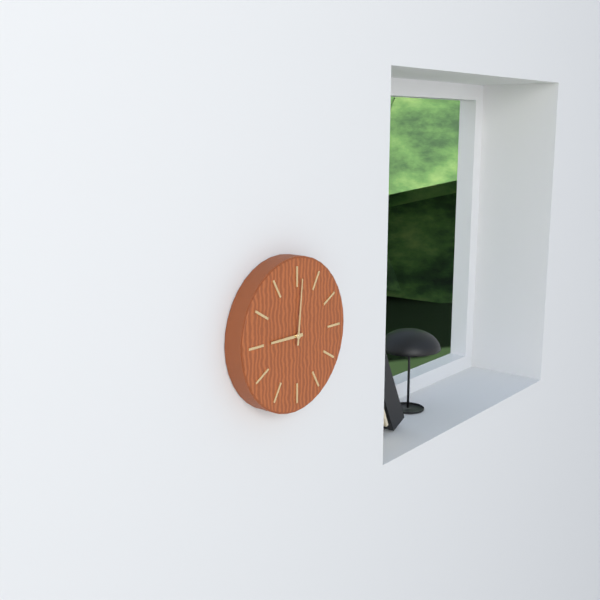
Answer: h=9 m=1
